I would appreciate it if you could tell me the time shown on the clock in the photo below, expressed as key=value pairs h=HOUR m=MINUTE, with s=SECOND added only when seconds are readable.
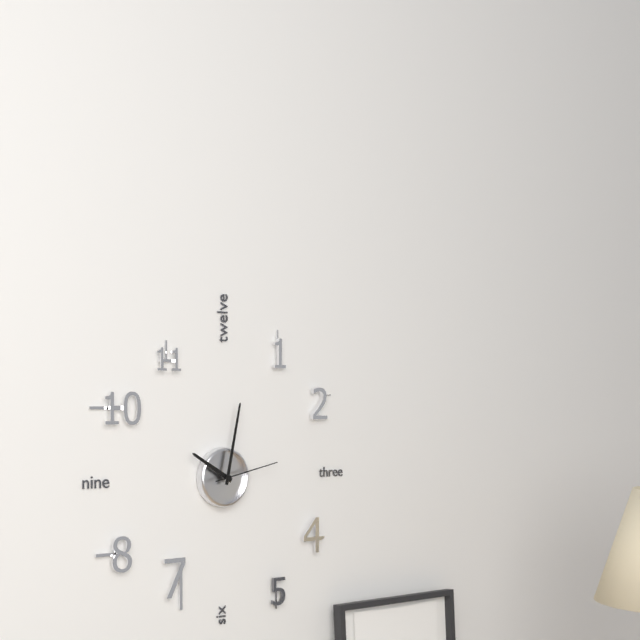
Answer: h=10 m=2 s=13
